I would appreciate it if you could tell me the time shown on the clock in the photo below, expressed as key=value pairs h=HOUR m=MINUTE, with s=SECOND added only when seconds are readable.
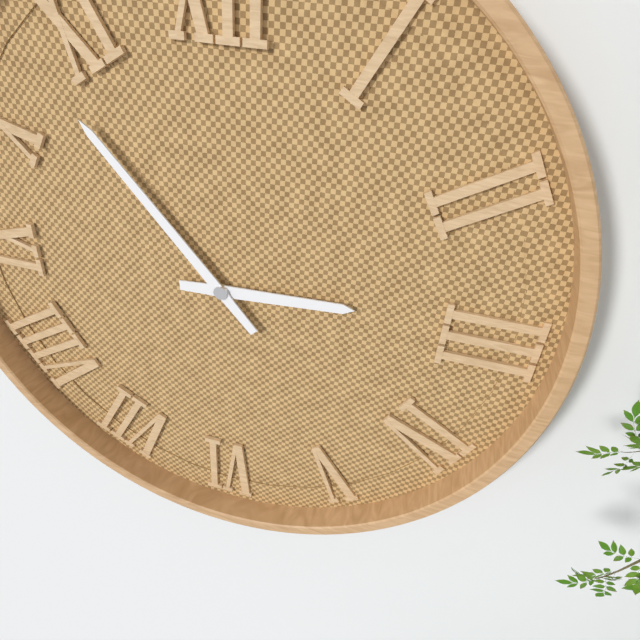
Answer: h=2 m=53
